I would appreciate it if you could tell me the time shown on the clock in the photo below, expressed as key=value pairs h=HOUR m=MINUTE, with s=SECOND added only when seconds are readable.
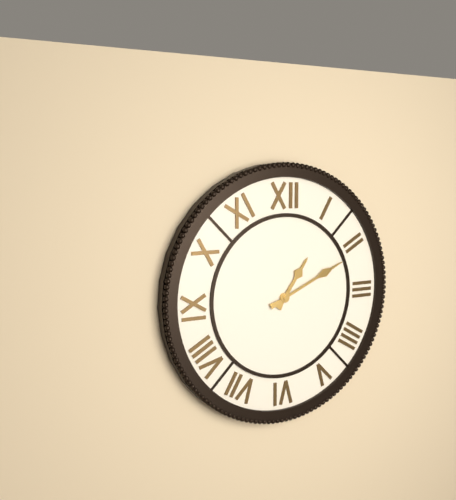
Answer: h=1 m=11
